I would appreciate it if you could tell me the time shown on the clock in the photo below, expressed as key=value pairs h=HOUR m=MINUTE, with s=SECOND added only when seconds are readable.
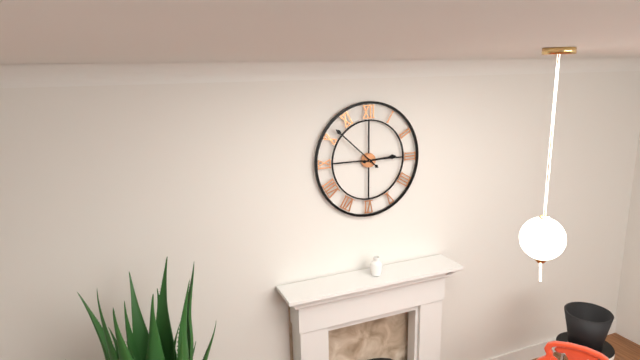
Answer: h=2 m=52
